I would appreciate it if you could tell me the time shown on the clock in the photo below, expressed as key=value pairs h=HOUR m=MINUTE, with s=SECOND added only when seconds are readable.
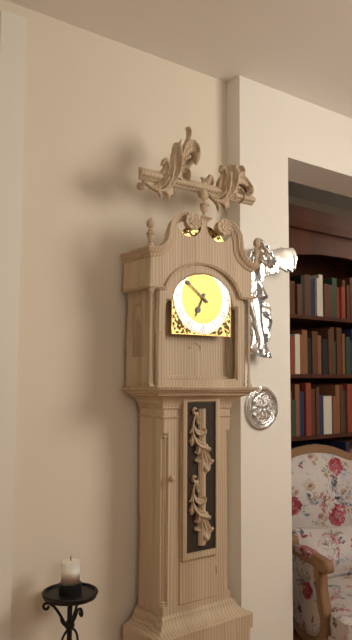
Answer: h=6 m=51
